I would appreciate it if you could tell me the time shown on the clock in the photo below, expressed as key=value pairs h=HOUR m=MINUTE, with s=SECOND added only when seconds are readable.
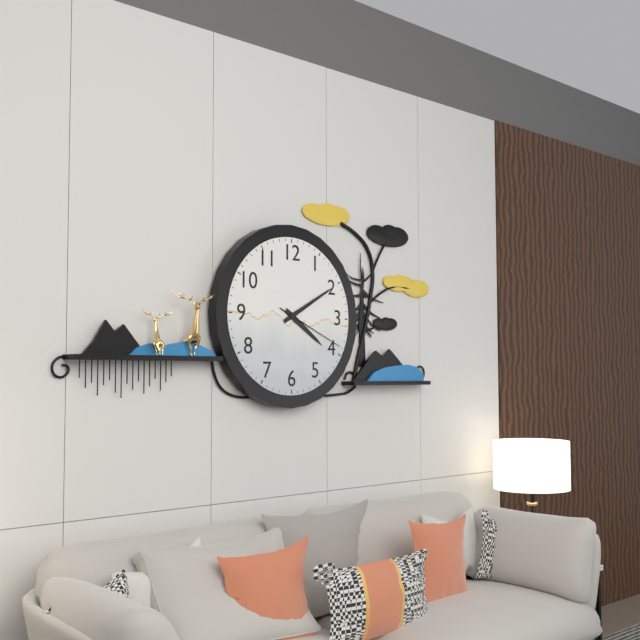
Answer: h=4 m=10 s=19
